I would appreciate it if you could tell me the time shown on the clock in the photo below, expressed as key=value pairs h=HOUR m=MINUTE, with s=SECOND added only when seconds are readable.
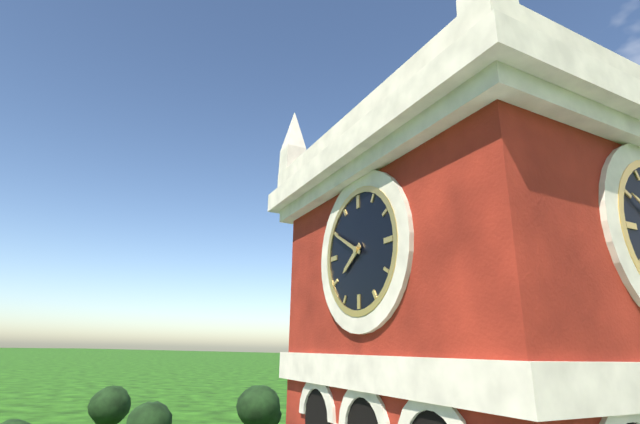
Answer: h=7 m=50
